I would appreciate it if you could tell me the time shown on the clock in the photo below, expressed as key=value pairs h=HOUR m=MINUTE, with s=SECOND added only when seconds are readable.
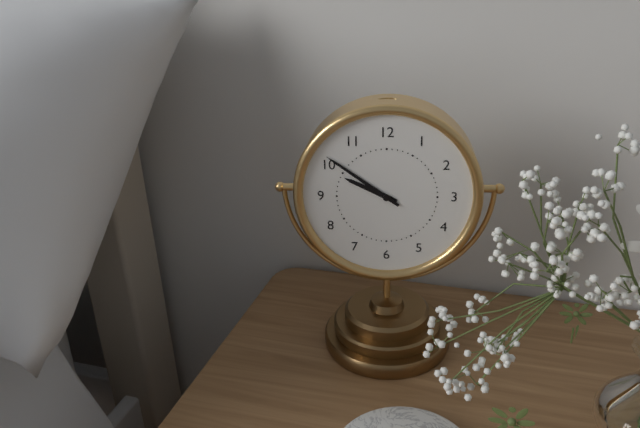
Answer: h=9 m=51
